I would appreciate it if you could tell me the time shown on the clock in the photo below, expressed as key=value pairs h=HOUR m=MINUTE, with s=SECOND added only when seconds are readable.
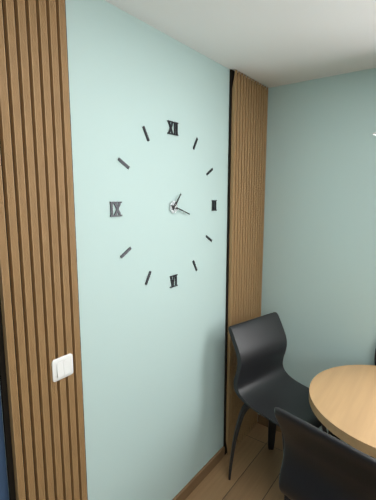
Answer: h=1 m=18
